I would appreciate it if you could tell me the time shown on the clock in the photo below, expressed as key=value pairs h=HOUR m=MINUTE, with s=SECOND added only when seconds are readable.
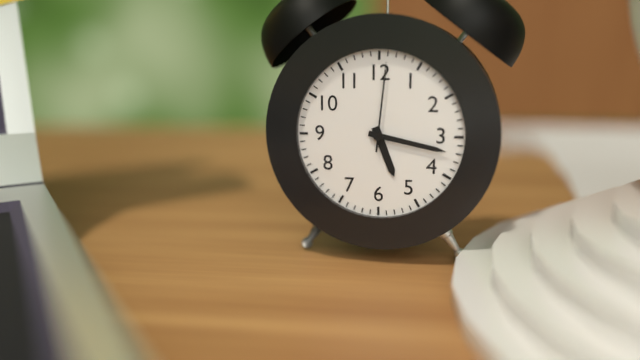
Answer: h=5 m=17 s=1
